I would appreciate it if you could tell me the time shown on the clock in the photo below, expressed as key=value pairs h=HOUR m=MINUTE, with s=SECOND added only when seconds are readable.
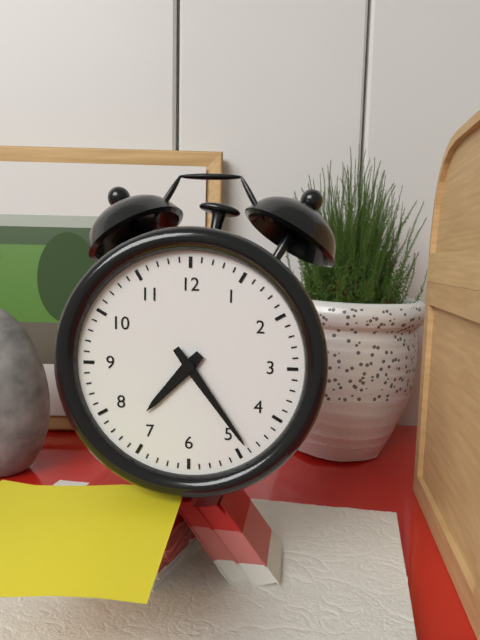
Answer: h=7 m=24
